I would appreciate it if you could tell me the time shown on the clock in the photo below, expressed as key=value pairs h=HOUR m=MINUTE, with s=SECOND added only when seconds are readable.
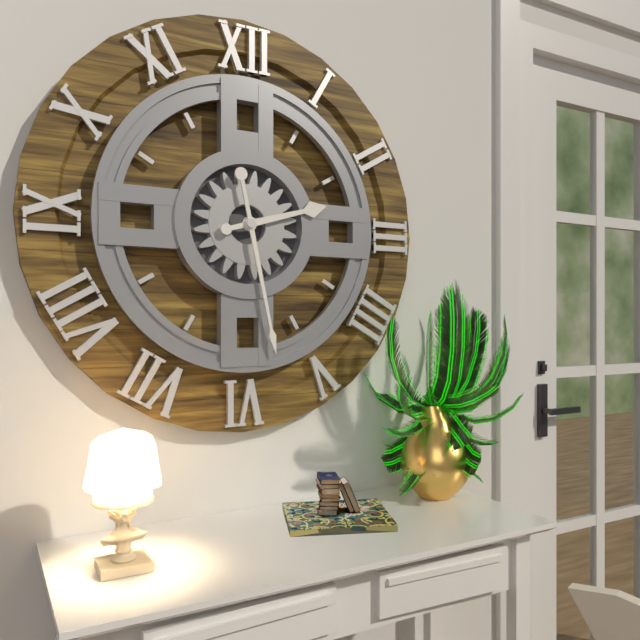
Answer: h=2 m=28
